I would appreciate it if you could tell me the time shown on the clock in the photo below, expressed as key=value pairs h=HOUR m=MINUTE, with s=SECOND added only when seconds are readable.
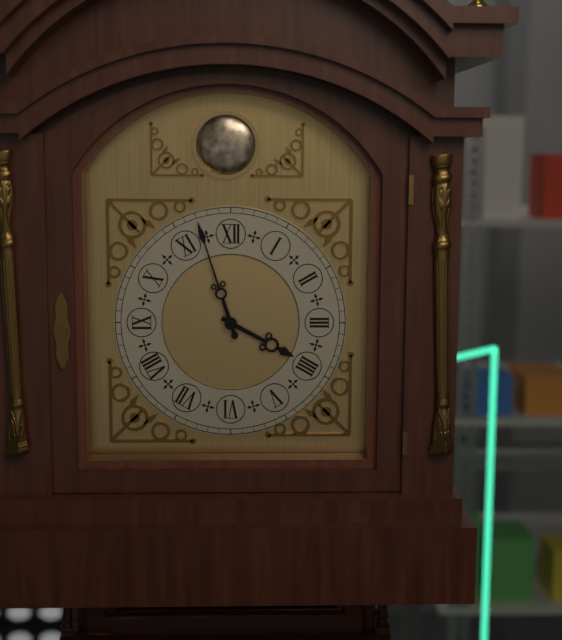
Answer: h=3 m=57
